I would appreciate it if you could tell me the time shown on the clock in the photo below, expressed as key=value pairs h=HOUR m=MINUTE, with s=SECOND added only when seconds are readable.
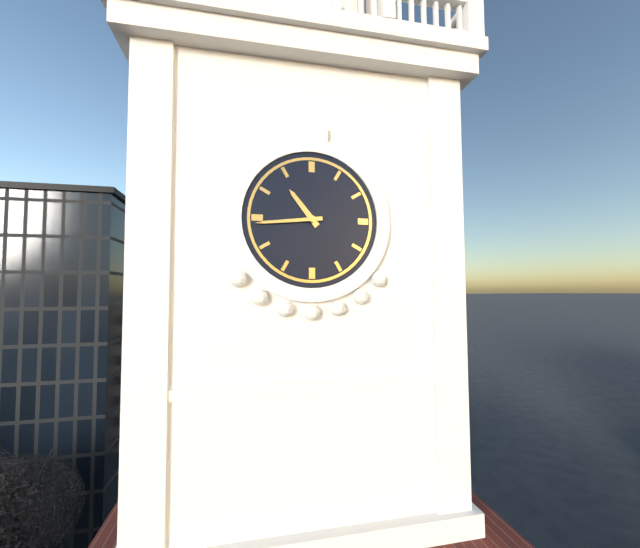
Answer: h=10 m=44
